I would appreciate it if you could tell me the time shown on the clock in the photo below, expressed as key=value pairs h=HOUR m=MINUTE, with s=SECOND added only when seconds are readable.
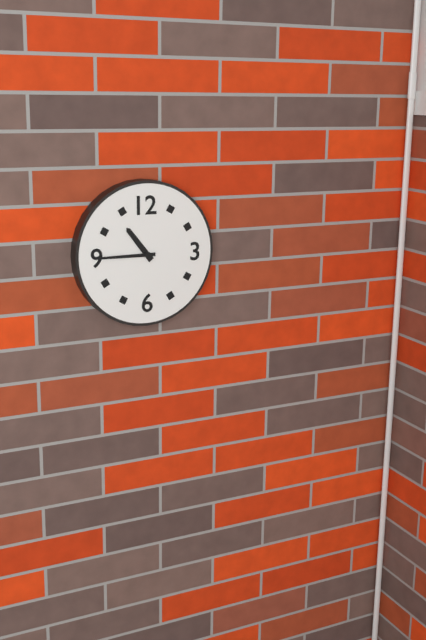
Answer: h=10 m=45
